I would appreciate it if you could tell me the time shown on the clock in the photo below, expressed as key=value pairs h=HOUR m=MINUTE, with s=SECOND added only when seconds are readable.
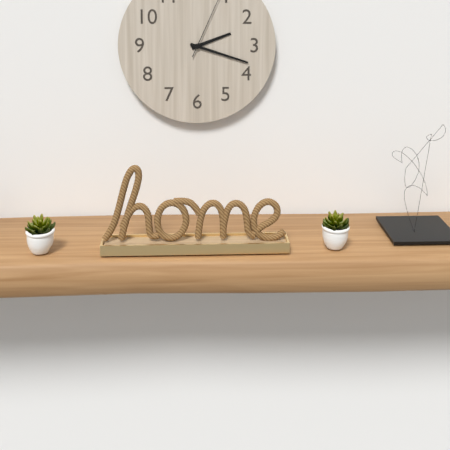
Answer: h=2 m=18
